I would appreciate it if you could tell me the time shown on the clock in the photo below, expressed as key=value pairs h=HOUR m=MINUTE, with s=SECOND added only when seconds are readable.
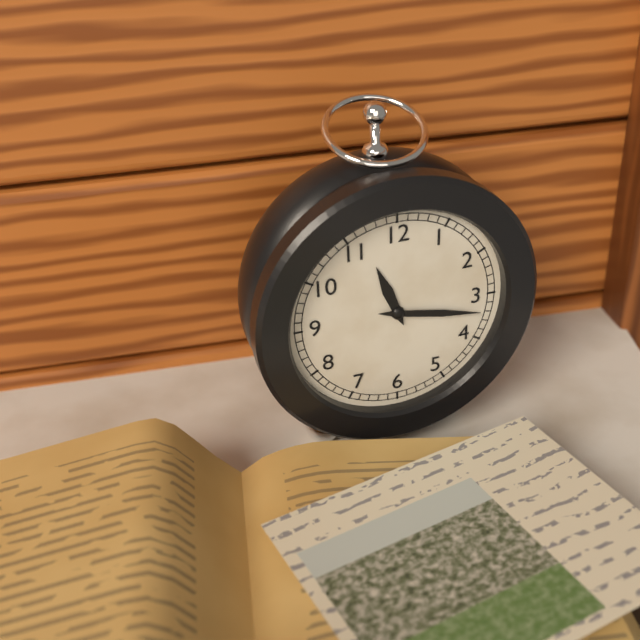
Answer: h=11 m=17
